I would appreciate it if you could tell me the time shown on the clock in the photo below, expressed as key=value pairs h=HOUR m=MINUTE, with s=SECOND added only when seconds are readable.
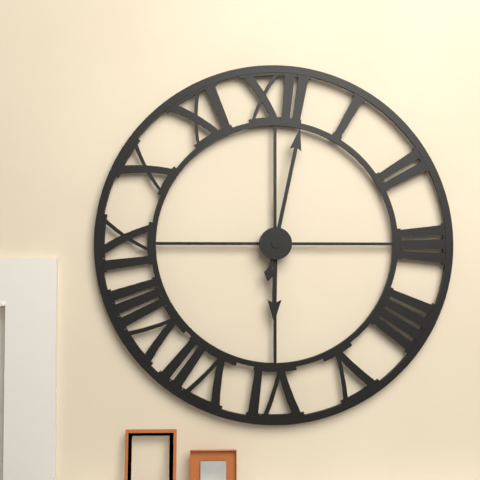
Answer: h=6 m=2
